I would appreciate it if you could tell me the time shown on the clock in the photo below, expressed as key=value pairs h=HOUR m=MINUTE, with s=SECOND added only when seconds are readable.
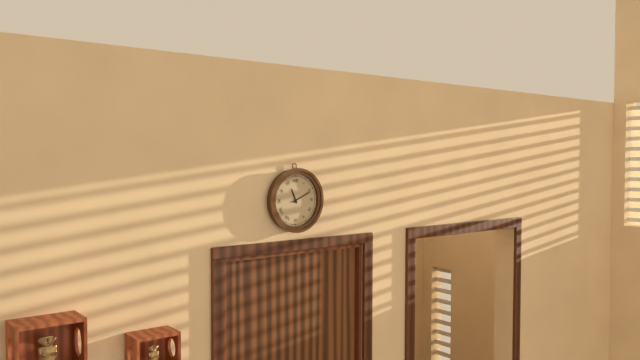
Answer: h=11 m=11
